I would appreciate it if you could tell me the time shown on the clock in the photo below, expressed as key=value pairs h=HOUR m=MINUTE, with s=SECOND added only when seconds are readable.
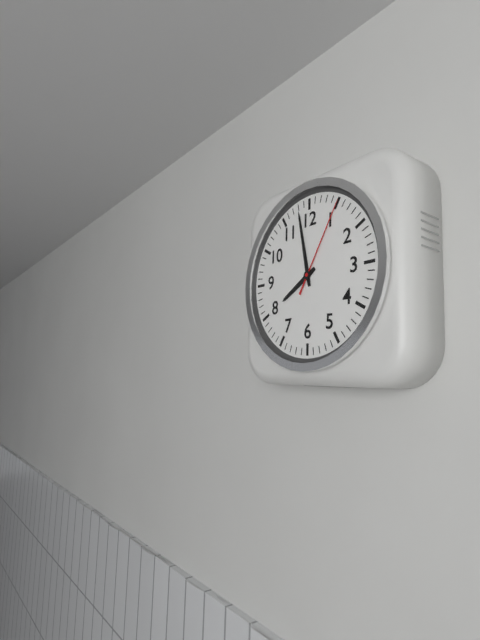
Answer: h=7 m=58 s=5
